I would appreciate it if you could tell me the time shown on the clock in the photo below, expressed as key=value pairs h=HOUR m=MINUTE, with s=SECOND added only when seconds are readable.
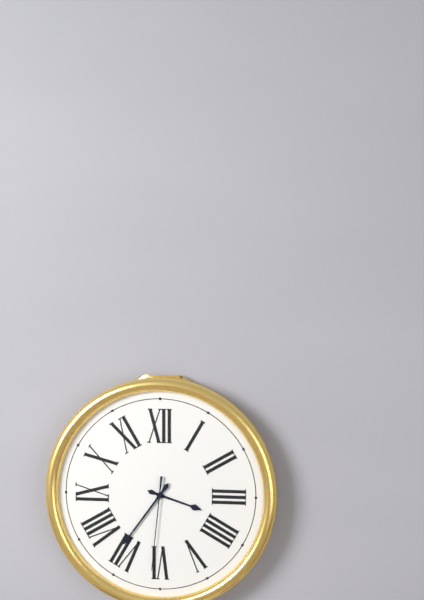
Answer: h=3 m=36 s=31
